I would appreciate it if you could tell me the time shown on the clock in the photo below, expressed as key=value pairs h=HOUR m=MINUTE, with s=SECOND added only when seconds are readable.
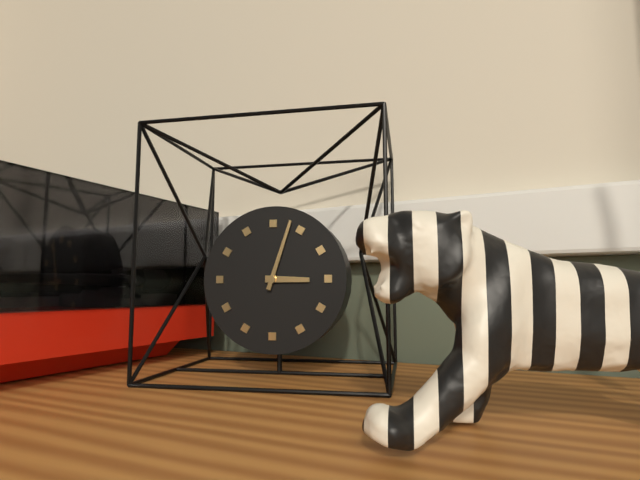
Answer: h=3 m=3
